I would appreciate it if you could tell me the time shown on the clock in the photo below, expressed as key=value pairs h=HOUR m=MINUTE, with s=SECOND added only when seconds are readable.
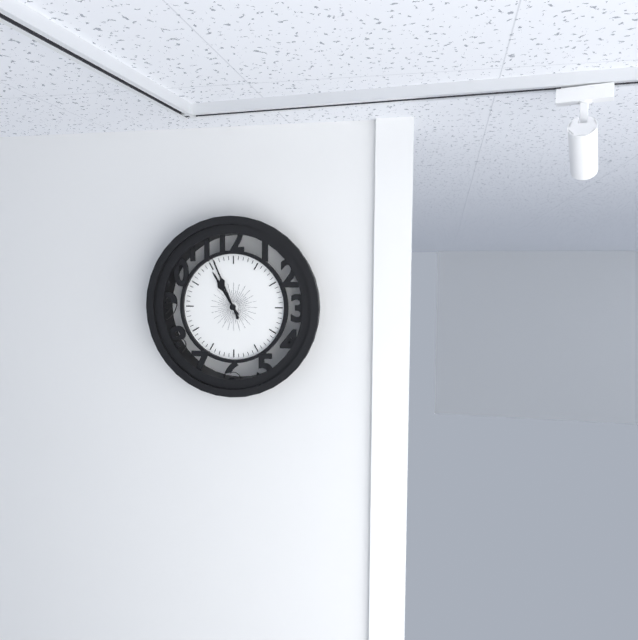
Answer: h=10 m=56
